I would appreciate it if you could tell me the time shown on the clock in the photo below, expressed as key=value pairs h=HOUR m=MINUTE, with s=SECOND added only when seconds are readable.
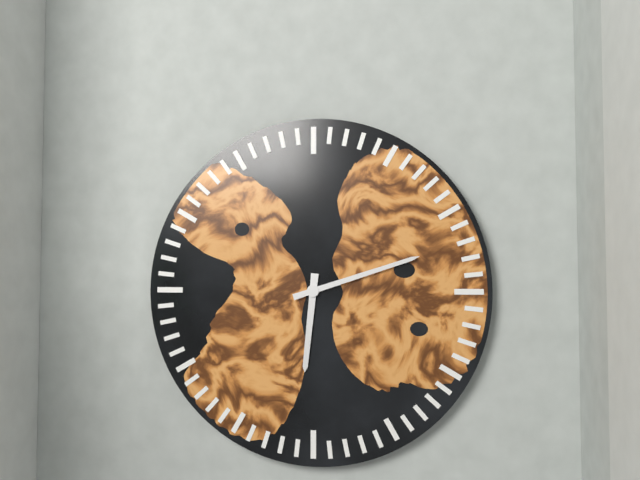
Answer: h=6 m=12
